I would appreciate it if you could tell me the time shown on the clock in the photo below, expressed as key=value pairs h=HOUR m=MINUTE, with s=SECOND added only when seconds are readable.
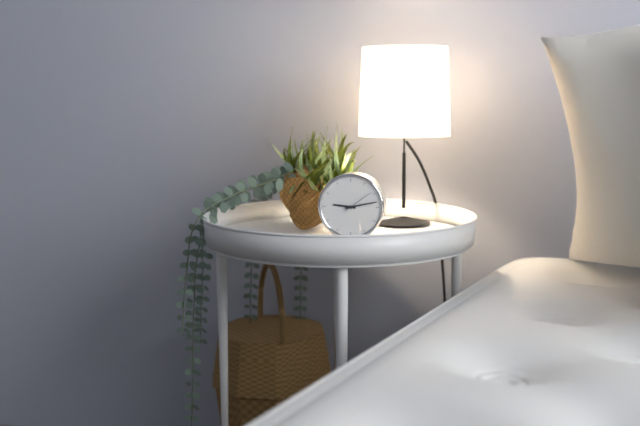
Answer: h=9 m=13
